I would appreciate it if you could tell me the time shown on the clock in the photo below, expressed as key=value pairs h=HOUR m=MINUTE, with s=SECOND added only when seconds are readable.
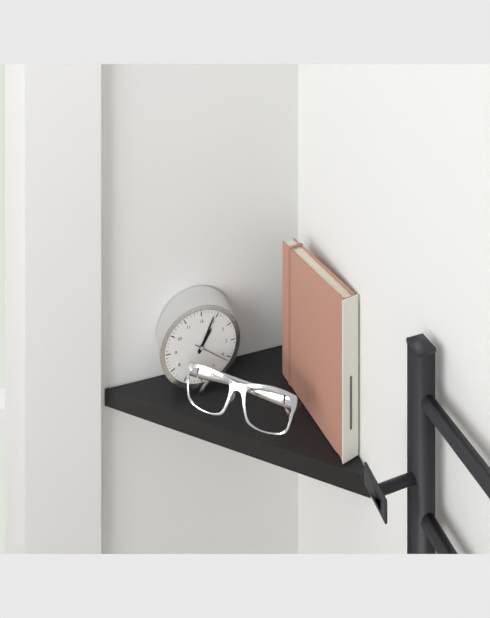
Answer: h=1 m=4
